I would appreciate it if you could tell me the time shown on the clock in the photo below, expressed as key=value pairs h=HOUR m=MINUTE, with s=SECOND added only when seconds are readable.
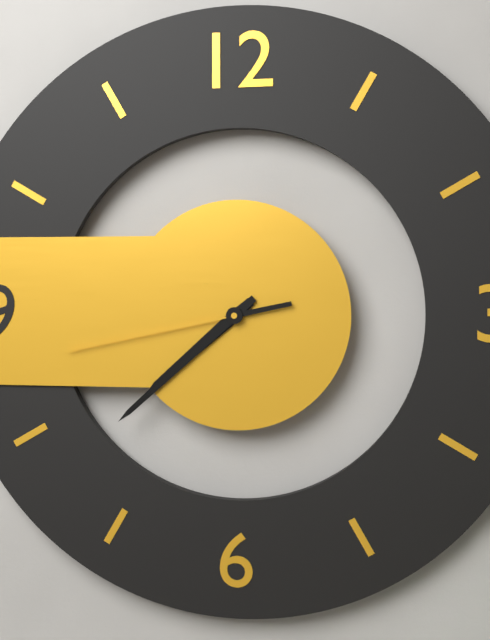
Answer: h=7 m=38 s=43
